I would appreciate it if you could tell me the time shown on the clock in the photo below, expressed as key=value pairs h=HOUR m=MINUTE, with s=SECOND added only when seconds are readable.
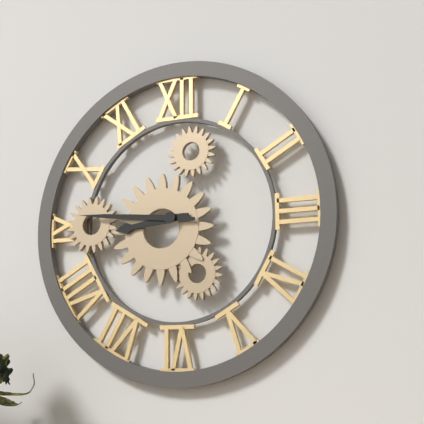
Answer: h=8 m=46
